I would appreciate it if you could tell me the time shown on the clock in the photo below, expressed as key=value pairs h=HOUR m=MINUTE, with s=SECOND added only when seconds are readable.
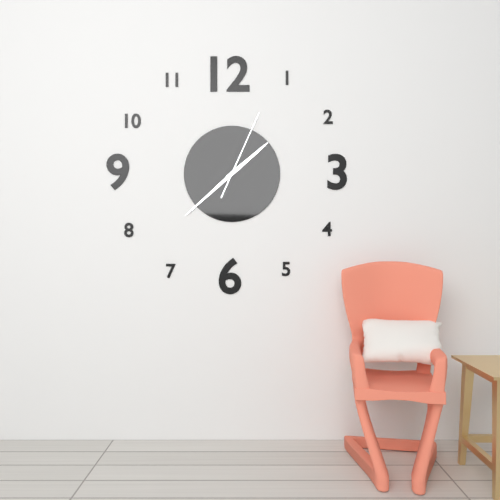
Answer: h=1 m=38 s=4
